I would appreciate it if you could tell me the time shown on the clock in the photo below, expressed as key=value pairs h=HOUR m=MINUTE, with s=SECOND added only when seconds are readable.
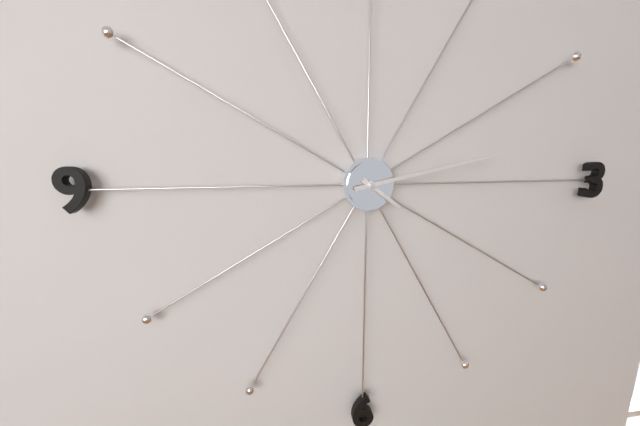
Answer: h=4 m=13
